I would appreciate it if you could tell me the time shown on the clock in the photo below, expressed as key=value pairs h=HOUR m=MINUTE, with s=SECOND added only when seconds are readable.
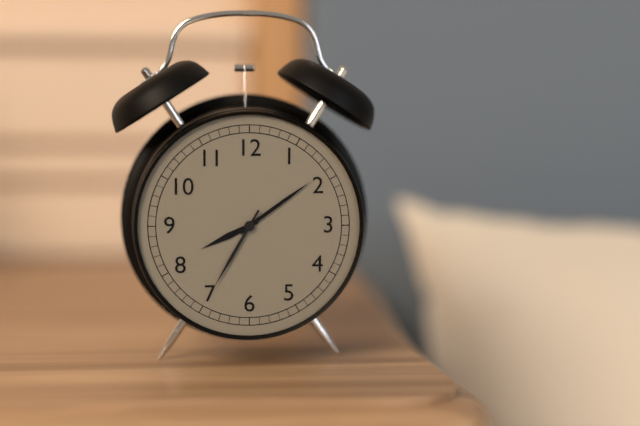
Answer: h=8 m=9 s=35
